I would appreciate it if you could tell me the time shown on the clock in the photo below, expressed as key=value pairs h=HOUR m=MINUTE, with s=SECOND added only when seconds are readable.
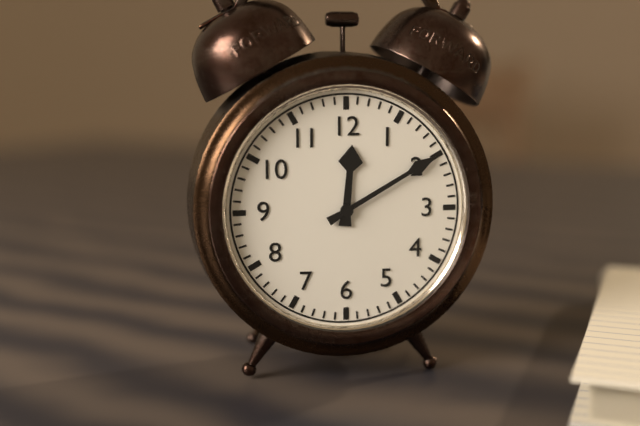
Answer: h=12 m=10
